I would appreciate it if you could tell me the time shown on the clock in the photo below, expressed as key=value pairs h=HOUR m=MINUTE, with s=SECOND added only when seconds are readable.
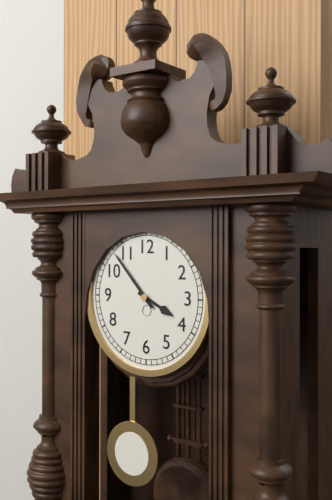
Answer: h=3 m=53
